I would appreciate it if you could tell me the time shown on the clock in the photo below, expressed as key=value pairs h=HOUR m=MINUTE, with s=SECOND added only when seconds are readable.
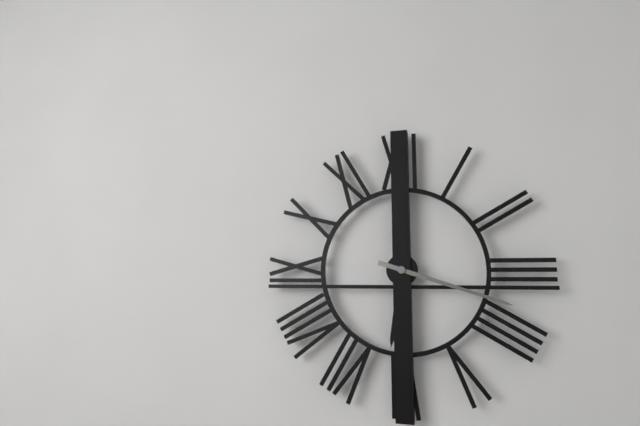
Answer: h=6 m=18
